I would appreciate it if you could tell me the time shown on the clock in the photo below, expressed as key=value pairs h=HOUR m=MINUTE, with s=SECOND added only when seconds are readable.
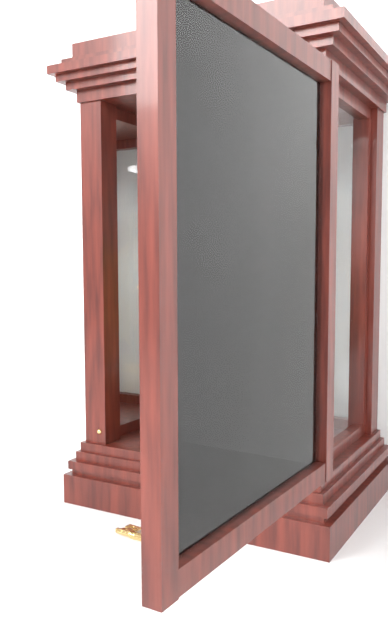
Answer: h=10 m=10
